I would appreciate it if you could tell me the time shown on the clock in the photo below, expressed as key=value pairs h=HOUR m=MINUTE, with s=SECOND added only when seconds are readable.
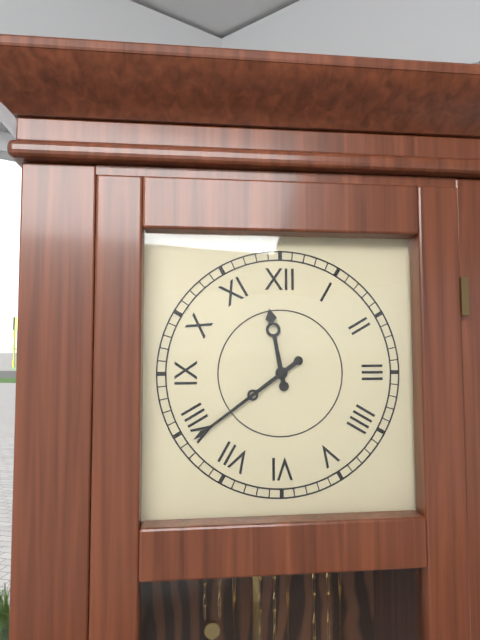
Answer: h=11 m=39
